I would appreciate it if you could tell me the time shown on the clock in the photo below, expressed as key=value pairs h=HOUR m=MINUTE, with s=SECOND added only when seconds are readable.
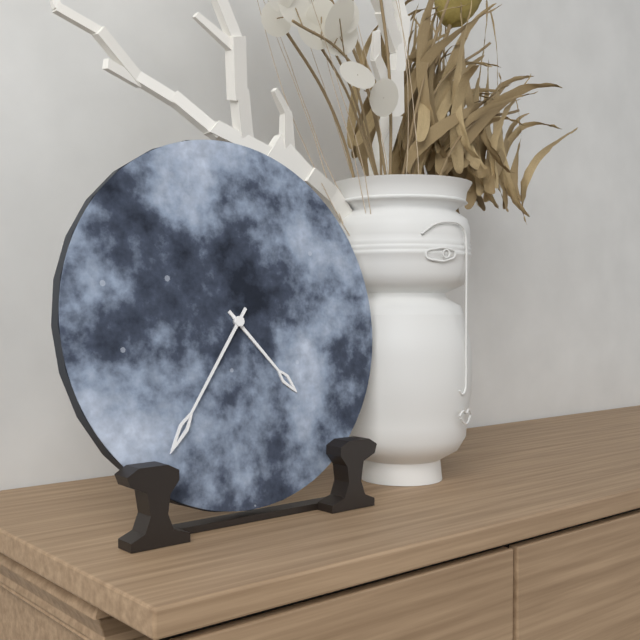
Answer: h=4 m=36
